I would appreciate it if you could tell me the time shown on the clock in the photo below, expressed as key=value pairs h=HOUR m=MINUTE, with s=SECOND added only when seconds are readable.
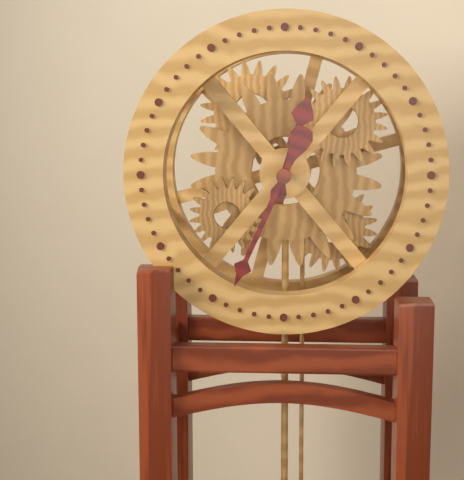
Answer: h=12 m=34
